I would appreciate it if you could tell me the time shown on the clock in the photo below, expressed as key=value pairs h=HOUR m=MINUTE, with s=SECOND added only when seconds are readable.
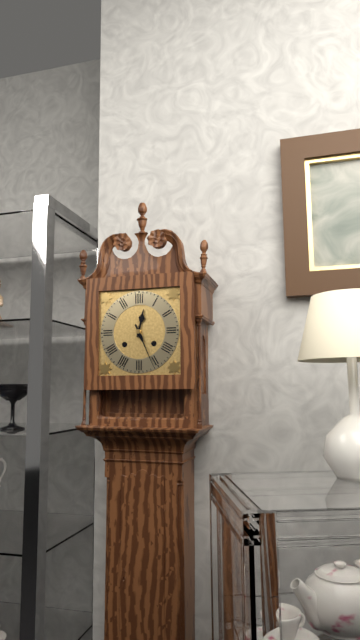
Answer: h=12 m=26
